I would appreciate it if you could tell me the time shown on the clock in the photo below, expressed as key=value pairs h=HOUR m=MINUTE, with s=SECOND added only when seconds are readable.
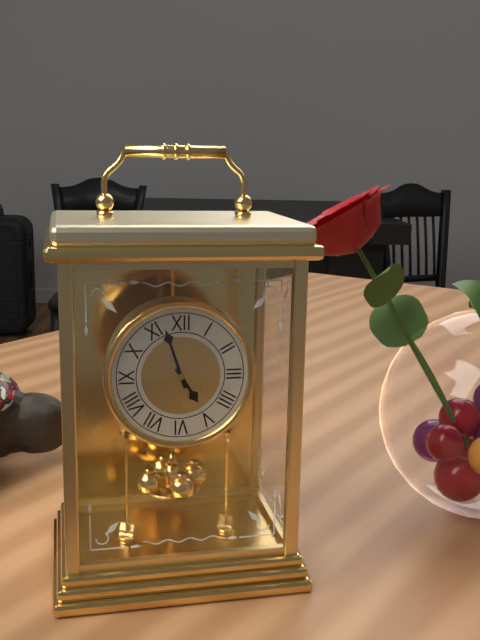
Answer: h=4 m=57
